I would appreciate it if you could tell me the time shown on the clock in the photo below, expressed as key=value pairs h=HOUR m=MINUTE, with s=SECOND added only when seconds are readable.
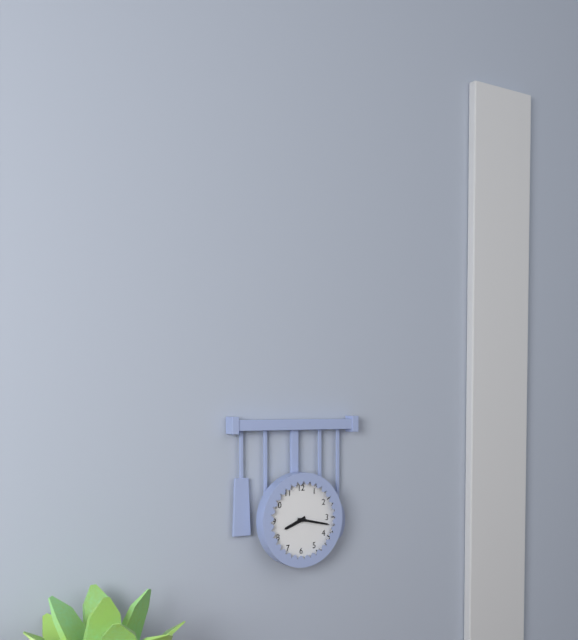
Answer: h=8 m=17
